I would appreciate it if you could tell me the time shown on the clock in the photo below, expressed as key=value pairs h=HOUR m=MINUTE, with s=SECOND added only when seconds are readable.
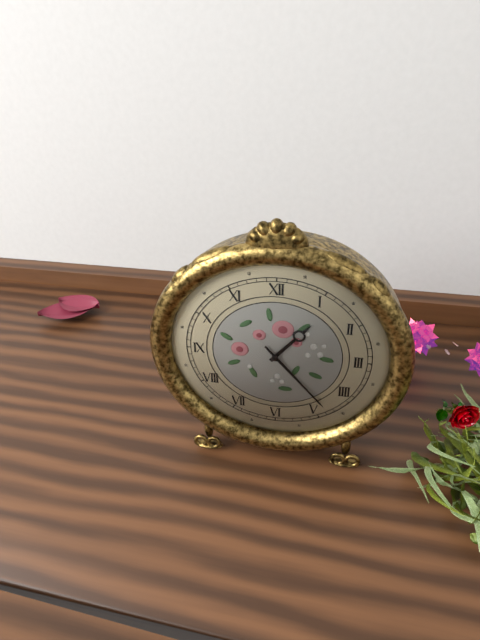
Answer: h=1 m=23
